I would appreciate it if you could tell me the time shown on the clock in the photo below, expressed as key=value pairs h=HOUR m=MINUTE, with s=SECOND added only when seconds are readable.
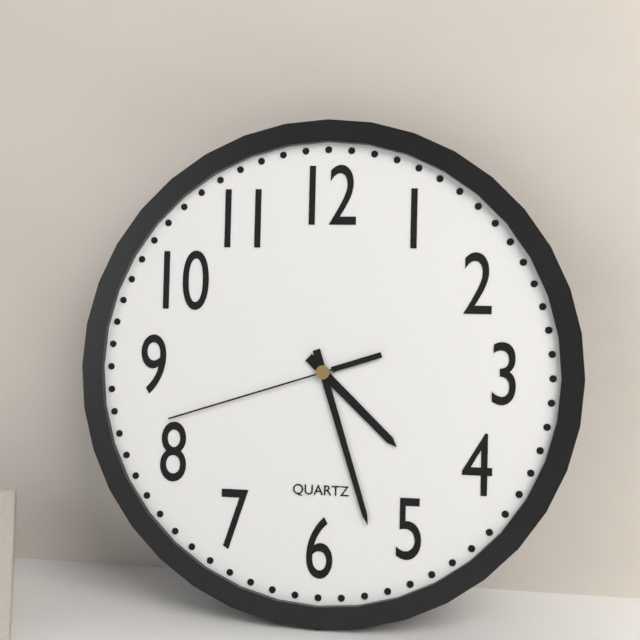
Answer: h=4 m=27 s=42
